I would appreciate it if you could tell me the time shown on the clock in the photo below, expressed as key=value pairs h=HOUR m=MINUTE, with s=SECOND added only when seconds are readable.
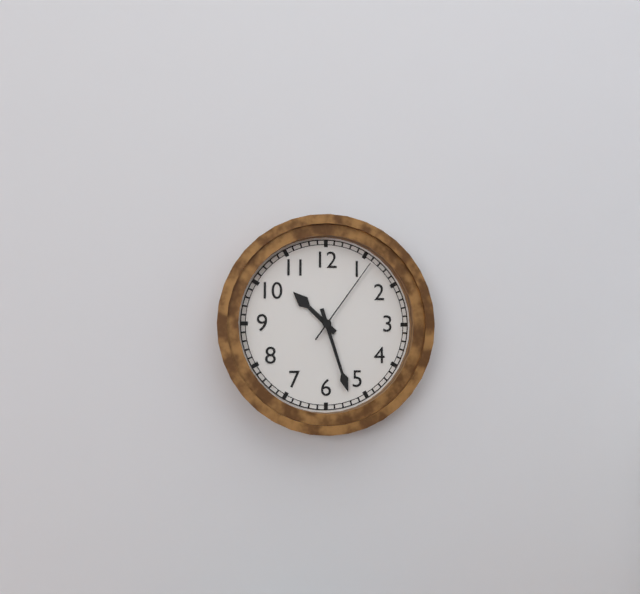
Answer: h=10 m=27 s=6
